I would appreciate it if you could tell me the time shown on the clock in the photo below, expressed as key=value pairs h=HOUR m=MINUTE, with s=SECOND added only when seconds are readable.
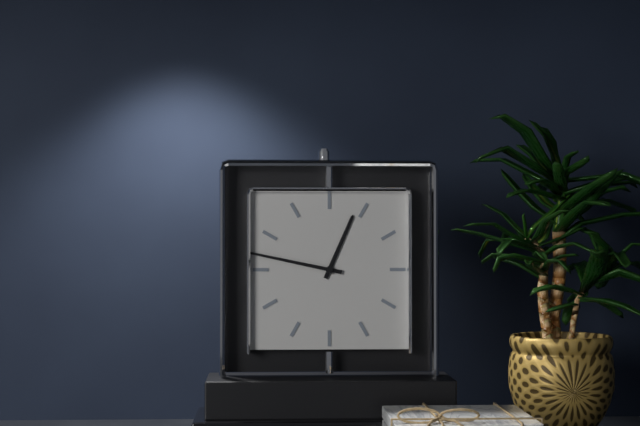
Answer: h=12 m=47
